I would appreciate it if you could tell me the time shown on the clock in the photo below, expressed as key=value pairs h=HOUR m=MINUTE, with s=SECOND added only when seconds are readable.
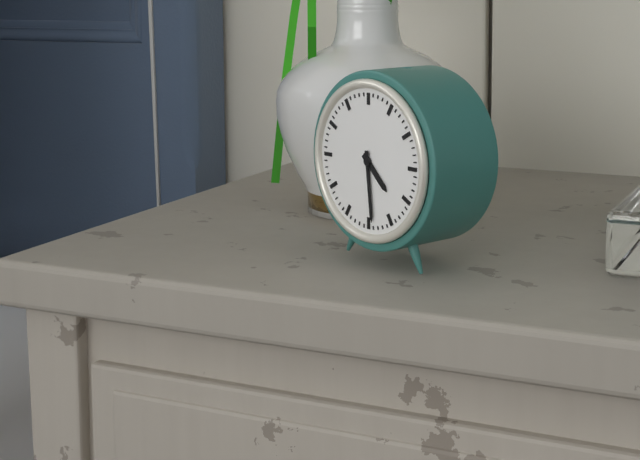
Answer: h=4 m=29
